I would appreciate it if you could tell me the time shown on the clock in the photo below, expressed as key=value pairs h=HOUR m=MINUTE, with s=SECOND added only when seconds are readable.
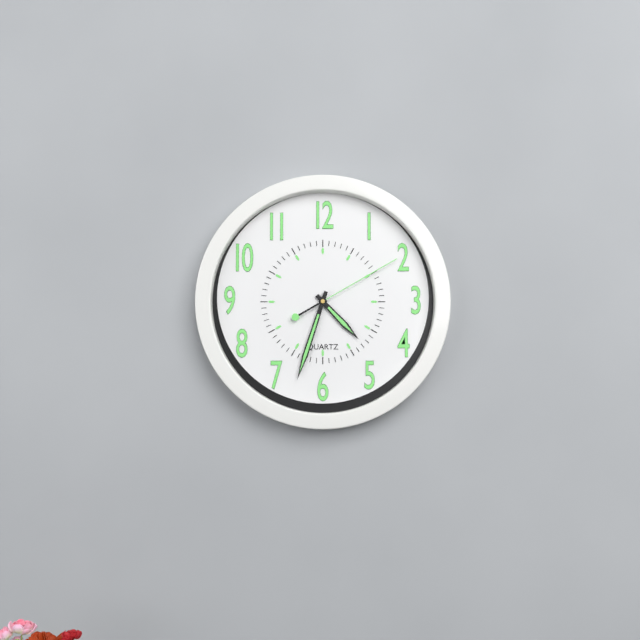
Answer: h=4 m=33 s=10
